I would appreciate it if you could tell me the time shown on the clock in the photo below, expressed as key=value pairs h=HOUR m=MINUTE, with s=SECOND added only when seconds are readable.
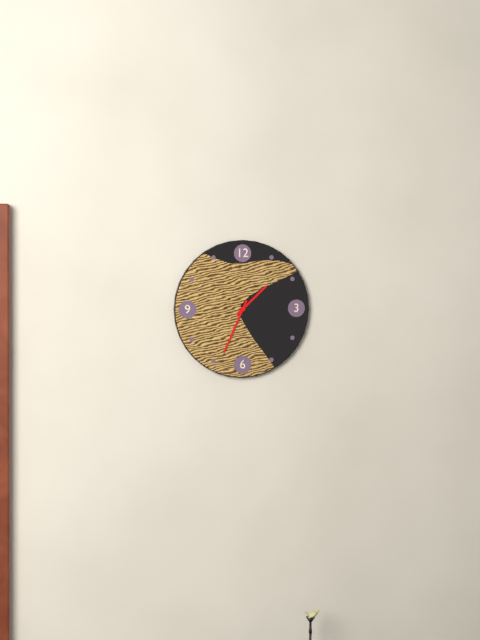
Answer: h=1 m=34
